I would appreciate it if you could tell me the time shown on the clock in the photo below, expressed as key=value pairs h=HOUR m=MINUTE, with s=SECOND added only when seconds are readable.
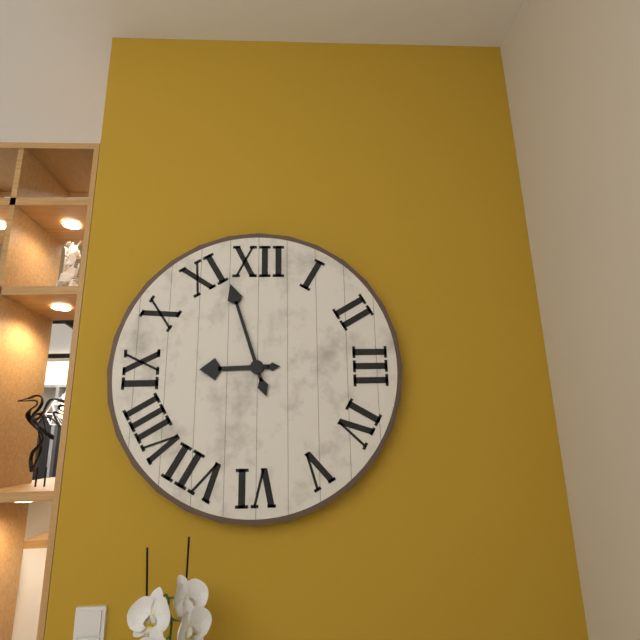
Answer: h=8 m=57
